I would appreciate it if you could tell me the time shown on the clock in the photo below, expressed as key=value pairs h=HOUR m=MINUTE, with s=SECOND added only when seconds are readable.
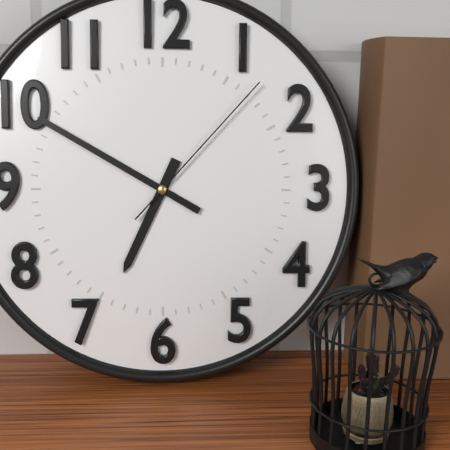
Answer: h=6 m=50 s=7
